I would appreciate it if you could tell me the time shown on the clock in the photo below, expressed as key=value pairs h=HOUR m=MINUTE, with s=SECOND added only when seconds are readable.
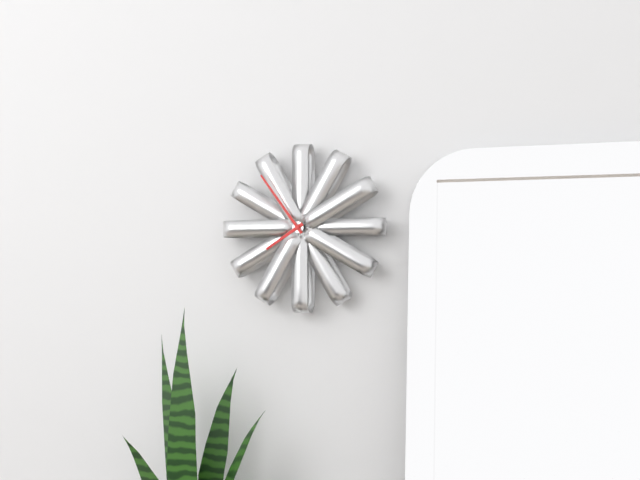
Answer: h=7 m=54
